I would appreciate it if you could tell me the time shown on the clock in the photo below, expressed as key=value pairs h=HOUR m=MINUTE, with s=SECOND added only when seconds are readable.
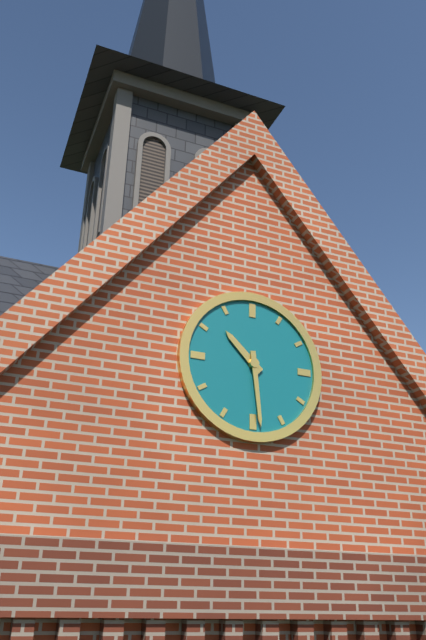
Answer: h=10 m=29
